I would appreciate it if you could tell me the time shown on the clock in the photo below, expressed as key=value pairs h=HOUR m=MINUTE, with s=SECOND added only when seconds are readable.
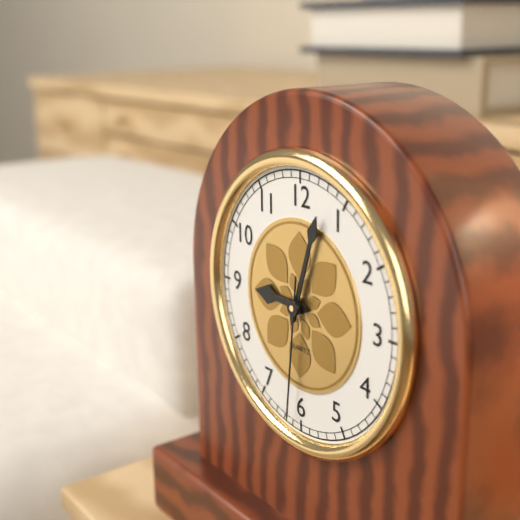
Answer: h=9 m=3 s=31
